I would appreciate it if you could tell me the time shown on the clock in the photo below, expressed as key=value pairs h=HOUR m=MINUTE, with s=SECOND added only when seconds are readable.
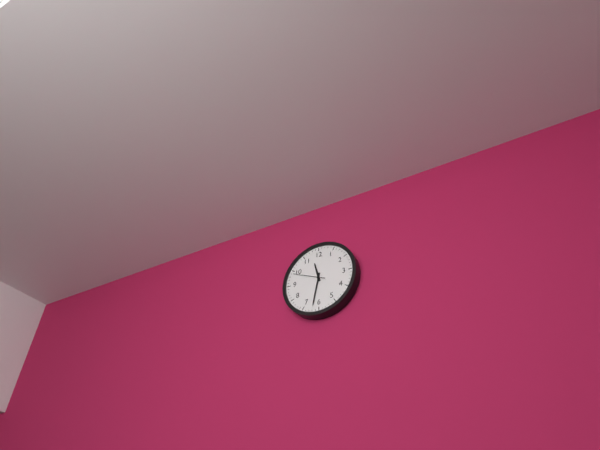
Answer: h=11 m=32
